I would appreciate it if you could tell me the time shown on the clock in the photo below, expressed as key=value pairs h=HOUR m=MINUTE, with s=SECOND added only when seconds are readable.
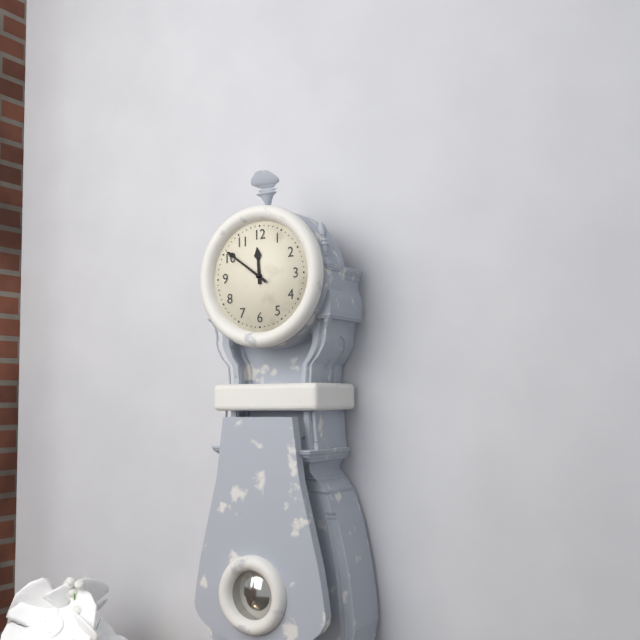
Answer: h=11 m=51
